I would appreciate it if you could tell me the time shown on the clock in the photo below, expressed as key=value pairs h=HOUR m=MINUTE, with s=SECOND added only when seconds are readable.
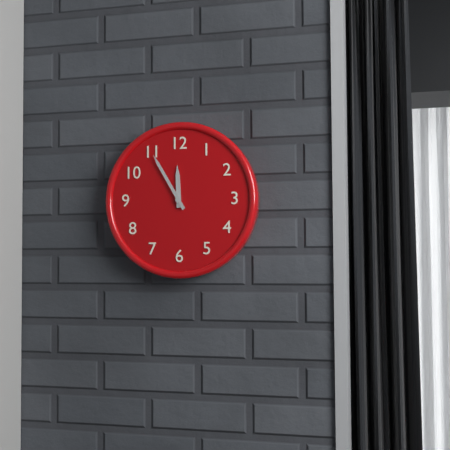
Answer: h=11 m=55
